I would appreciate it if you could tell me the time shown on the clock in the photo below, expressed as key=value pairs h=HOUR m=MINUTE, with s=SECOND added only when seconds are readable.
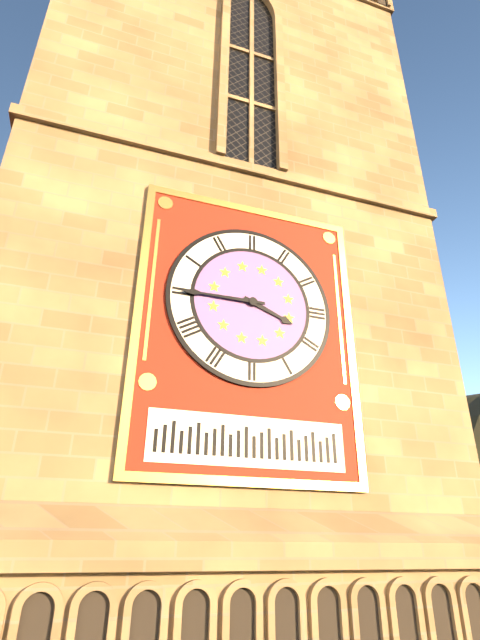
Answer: h=3 m=45
